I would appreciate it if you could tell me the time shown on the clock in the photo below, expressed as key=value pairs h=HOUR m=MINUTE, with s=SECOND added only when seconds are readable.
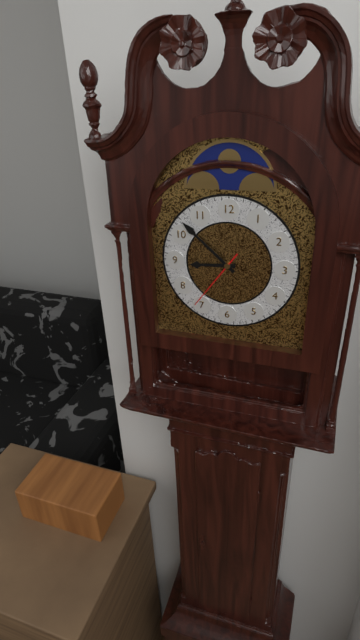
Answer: h=8 m=52 s=36
